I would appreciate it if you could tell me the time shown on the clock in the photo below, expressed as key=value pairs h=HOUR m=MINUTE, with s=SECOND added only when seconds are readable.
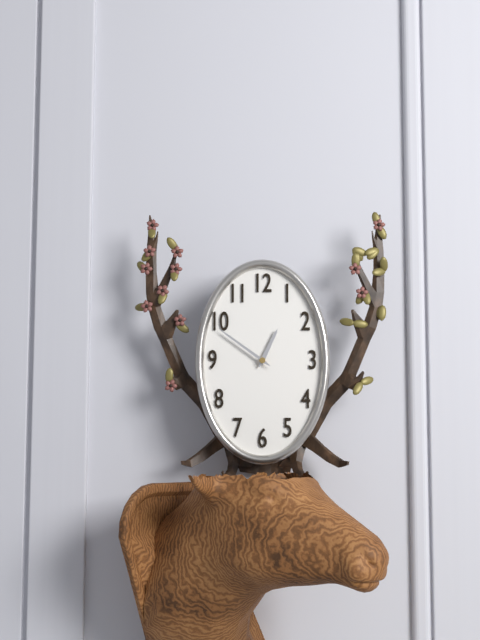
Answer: h=12 m=51
